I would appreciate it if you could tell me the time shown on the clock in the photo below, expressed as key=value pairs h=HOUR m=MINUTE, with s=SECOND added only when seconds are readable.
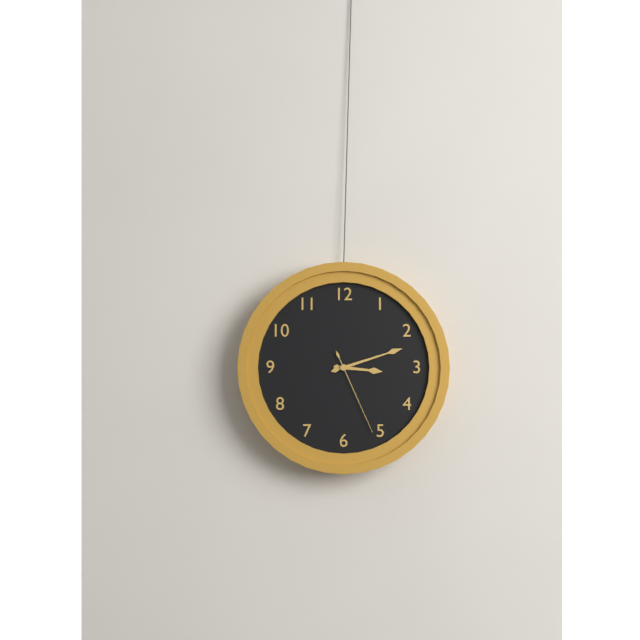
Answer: h=3 m=12 s=26
